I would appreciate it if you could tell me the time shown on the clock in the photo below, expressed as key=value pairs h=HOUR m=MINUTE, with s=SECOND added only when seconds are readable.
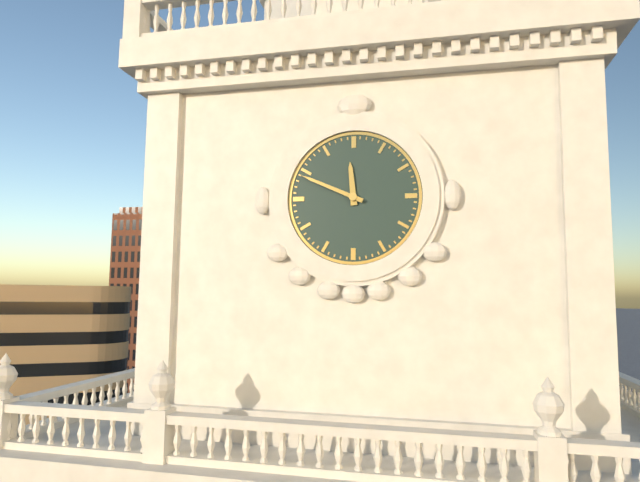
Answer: h=11 m=49
